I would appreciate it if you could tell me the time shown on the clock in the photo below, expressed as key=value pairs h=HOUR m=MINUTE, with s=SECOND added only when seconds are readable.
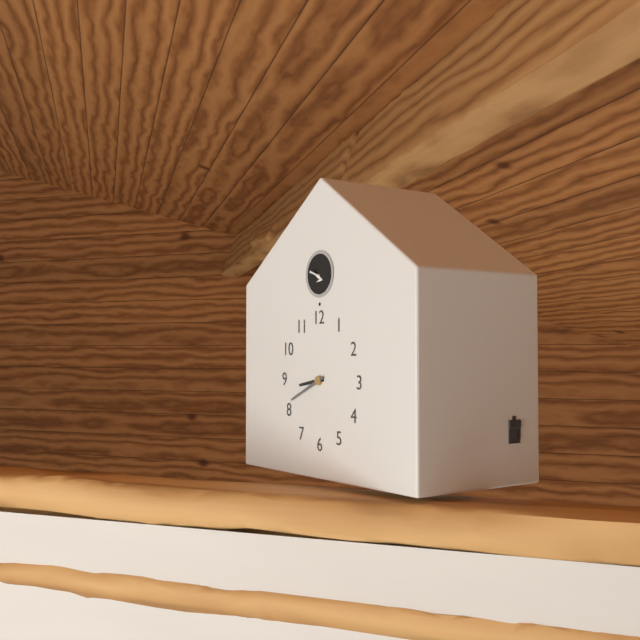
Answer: h=8 m=41
